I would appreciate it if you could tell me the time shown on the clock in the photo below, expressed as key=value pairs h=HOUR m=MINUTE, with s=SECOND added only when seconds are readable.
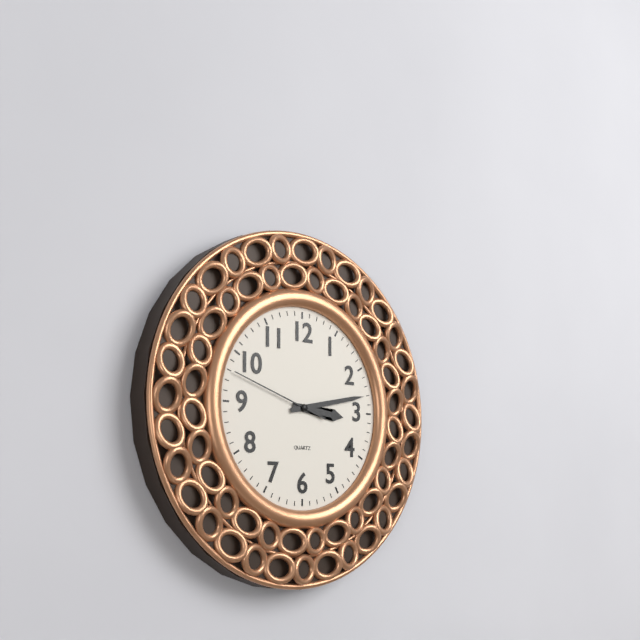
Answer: h=3 m=13 s=48
